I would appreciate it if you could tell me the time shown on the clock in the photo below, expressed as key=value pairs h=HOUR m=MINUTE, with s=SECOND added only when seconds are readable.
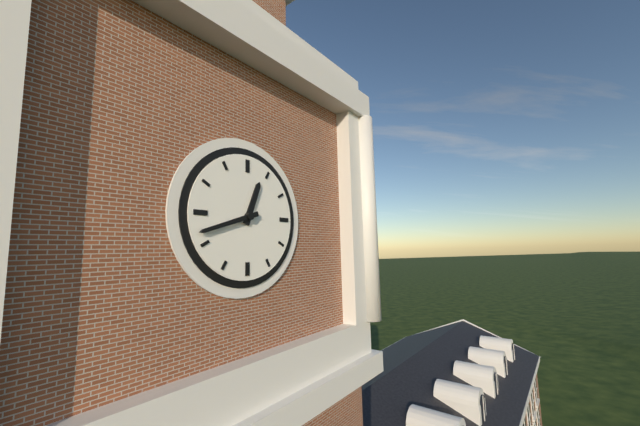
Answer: h=12 m=42
